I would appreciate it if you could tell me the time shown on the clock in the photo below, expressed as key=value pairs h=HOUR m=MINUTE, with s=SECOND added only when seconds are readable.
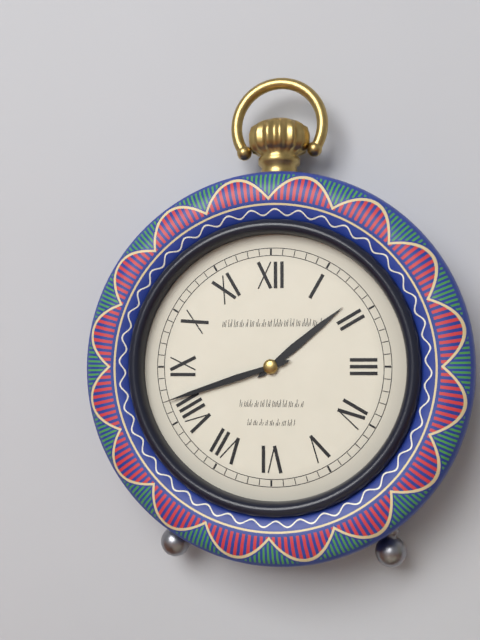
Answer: h=1 m=42
